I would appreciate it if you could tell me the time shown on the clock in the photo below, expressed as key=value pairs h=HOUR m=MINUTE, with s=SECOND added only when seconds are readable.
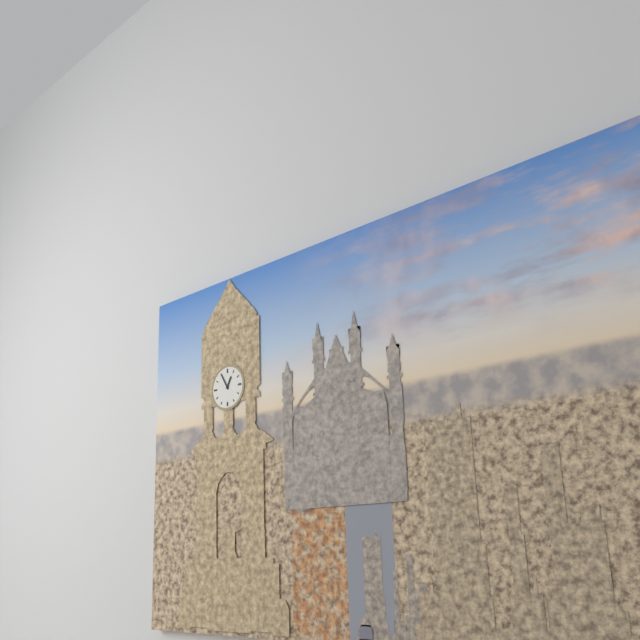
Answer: h=12 m=55
